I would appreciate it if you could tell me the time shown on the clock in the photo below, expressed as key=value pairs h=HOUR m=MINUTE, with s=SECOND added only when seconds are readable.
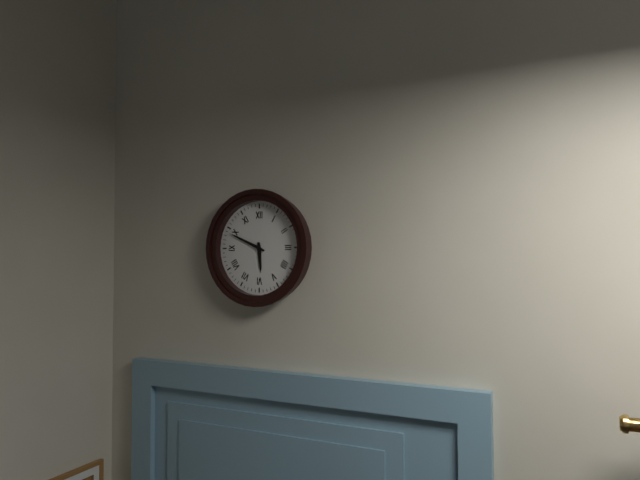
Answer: h=5 m=49
